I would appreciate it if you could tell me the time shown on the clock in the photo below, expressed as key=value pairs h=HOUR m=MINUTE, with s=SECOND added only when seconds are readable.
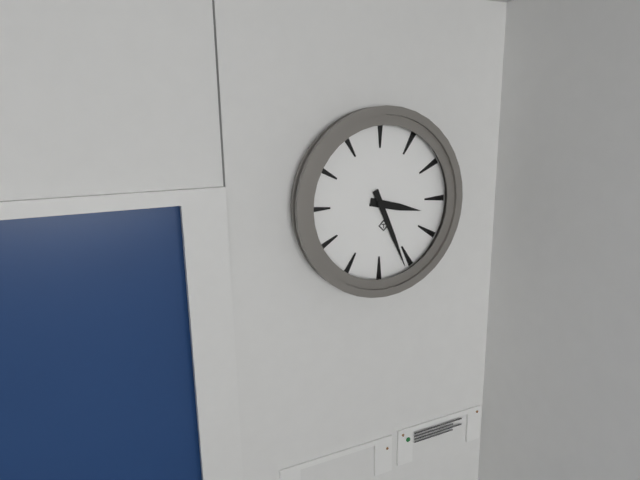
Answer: h=3 m=26
